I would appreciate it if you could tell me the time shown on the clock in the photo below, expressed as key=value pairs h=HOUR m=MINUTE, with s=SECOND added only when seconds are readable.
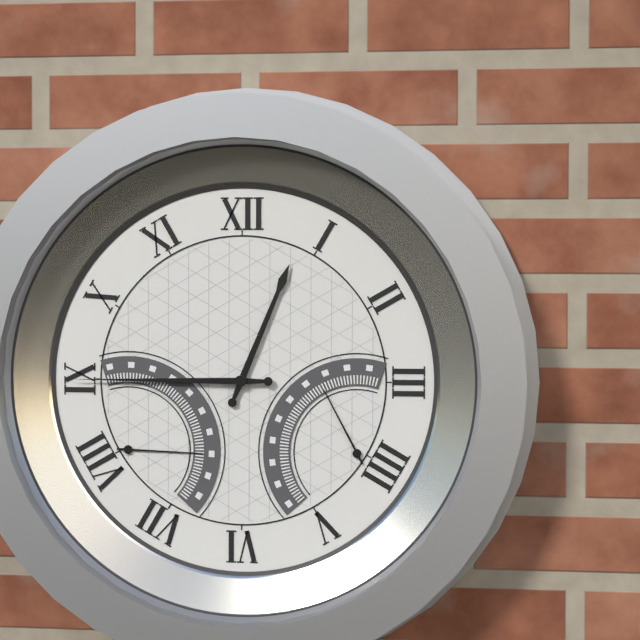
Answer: h=12 m=45
